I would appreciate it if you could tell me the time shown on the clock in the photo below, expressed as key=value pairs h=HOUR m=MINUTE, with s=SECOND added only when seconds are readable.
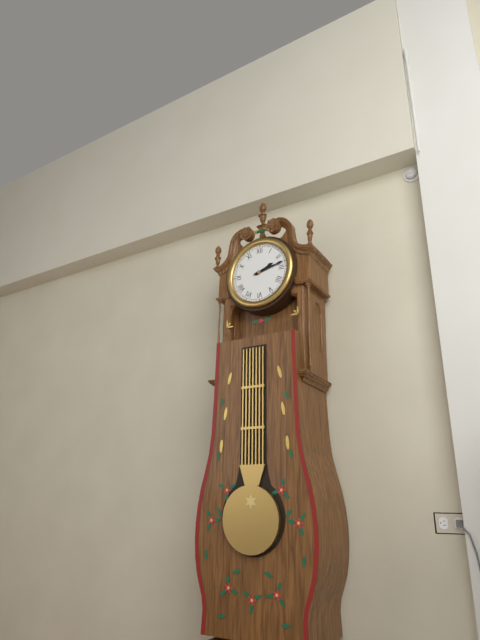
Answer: h=2 m=13
